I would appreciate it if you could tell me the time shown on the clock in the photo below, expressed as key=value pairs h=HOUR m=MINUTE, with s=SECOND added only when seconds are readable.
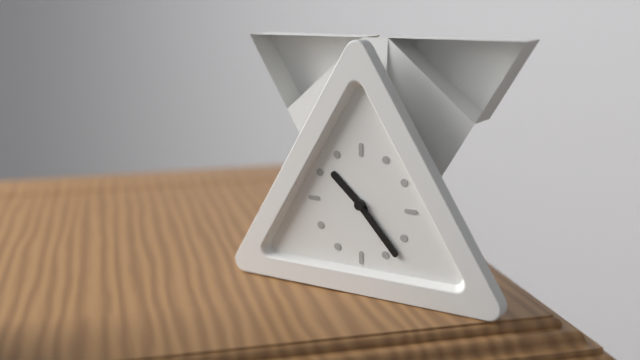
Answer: h=10 m=23
